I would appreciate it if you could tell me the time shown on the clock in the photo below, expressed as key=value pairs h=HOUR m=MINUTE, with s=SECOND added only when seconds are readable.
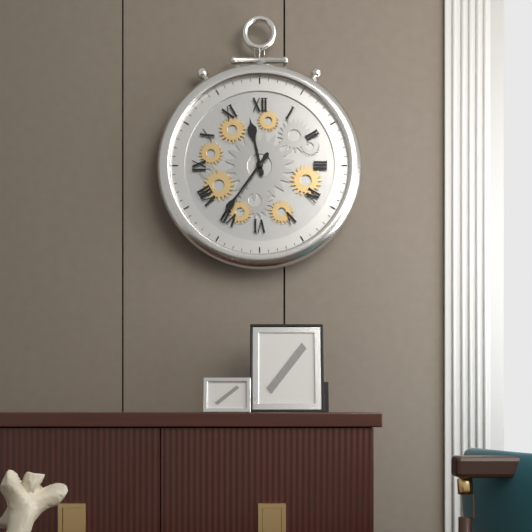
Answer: h=11 m=36
